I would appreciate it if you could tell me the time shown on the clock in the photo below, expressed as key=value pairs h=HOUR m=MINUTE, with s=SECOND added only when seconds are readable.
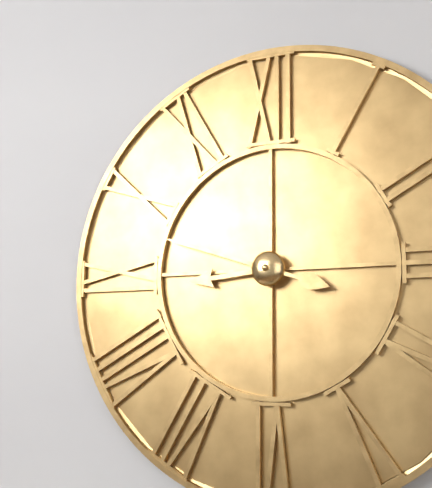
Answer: h=8 m=48
